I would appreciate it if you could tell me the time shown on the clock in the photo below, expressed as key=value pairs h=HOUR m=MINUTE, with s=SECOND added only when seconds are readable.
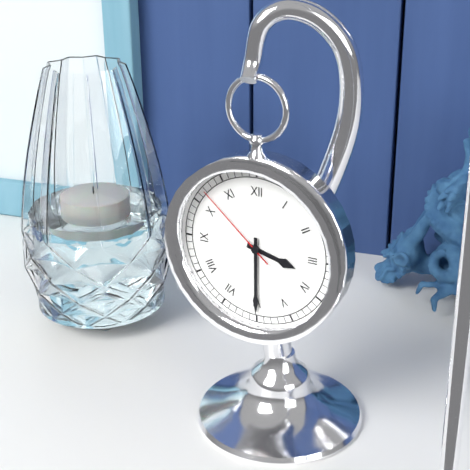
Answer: h=3 m=30 s=52
